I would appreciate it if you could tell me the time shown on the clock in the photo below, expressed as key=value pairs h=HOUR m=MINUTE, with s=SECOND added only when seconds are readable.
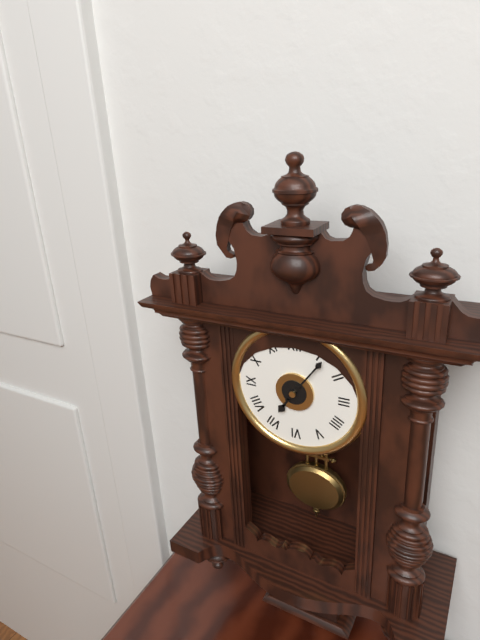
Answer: h=7 m=6
